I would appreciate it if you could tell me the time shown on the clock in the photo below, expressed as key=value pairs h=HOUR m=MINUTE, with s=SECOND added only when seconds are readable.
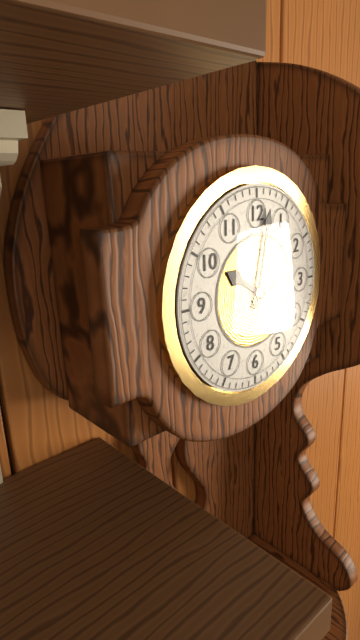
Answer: h=10 m=2
